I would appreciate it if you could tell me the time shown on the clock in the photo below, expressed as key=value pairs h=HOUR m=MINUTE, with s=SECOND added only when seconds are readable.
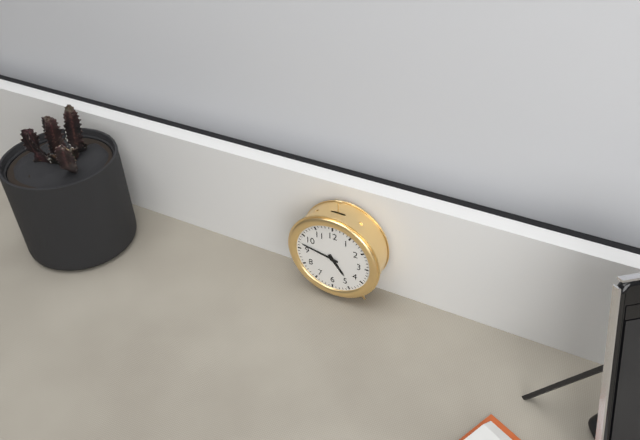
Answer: h=4 m=47
